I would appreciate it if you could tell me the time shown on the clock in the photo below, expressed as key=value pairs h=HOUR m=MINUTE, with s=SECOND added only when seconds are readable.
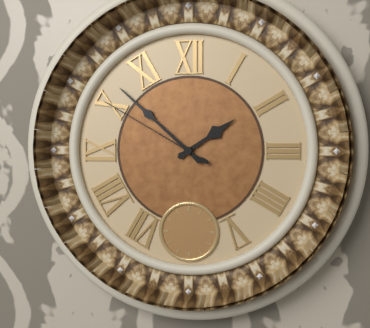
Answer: h=1 m=52 s=50
